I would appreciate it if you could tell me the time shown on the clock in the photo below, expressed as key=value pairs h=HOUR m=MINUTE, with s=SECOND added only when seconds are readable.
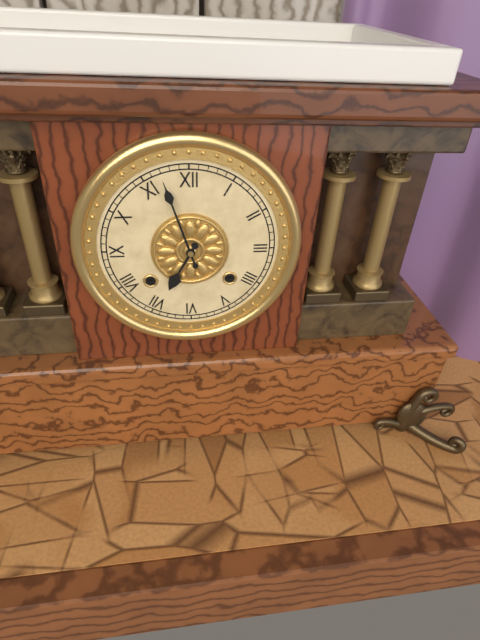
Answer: h=6 m=57
